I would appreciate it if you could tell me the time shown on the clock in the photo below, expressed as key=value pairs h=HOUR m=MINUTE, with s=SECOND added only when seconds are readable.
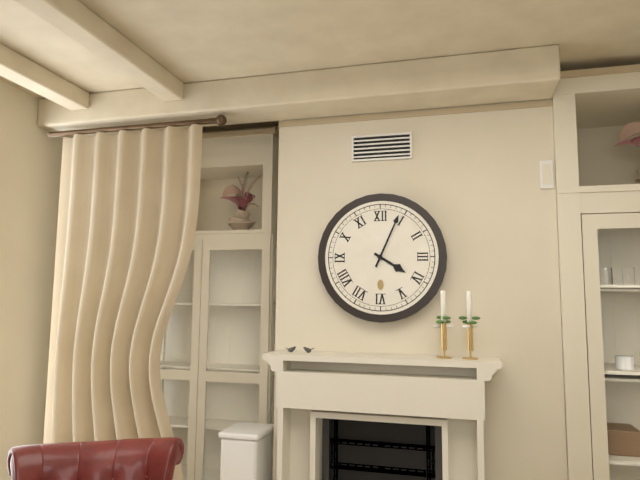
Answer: h=4 m=4
